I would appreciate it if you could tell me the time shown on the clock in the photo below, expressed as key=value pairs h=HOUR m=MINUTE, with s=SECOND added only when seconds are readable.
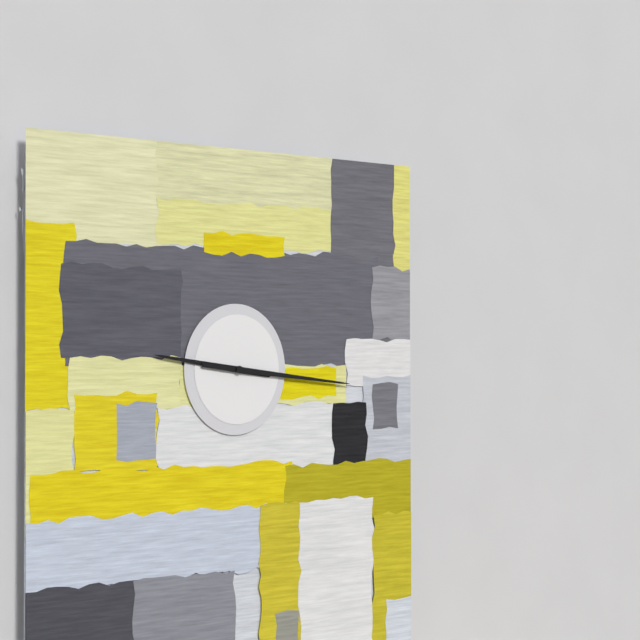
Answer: h=9 m=16
